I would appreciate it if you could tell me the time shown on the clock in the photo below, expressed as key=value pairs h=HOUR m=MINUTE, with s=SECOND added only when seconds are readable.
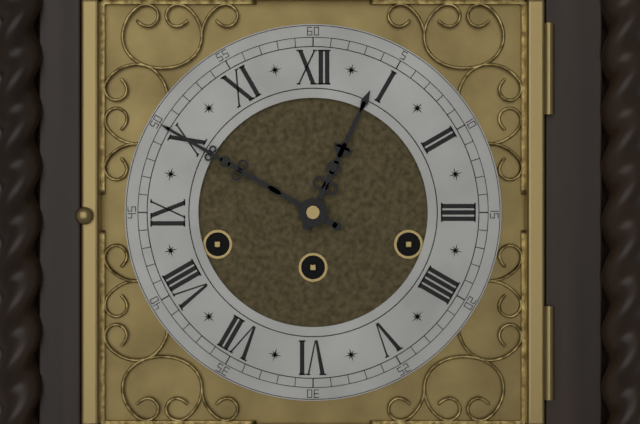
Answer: h=12 m=50
